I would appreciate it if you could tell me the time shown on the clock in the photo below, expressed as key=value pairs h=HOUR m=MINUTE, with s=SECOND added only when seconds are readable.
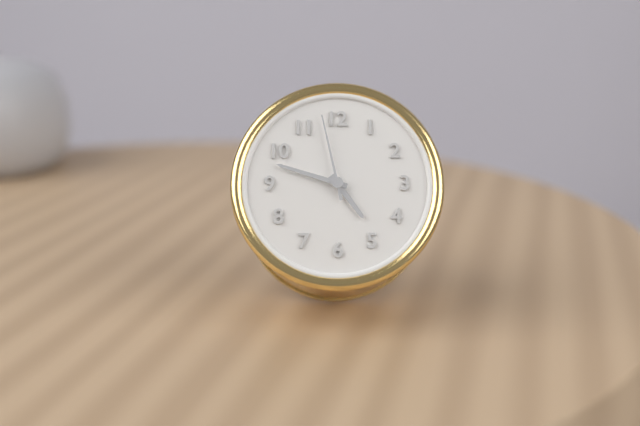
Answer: h=4 m=48 s=58
